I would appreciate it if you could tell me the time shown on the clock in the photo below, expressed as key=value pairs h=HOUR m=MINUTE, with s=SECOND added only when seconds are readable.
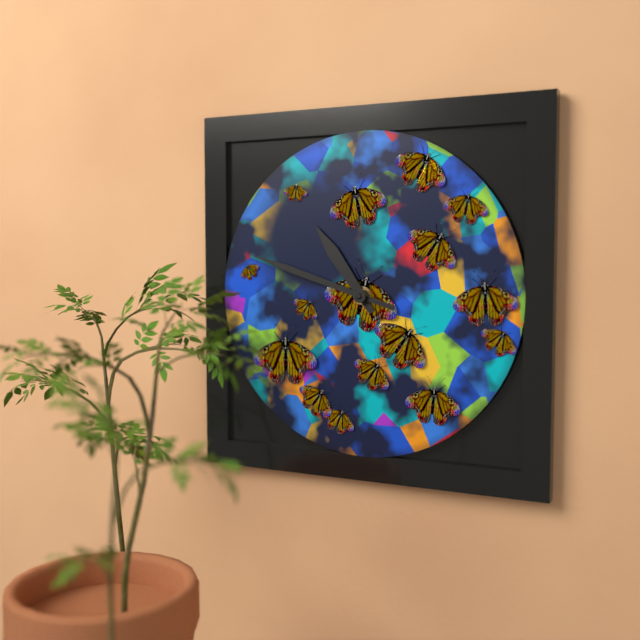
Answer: h=10 m=48
